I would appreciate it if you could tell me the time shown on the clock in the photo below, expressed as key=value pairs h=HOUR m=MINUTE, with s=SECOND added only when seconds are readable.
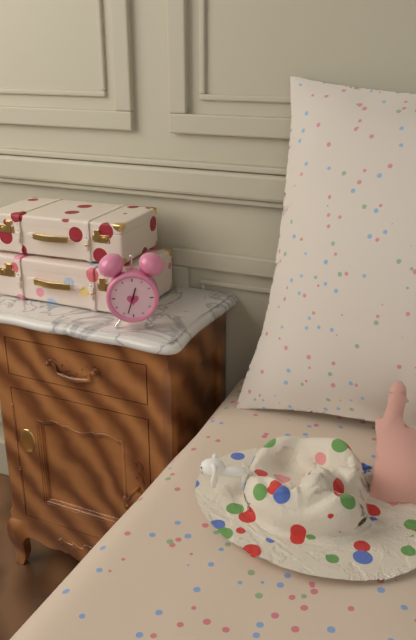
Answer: h=12 m=33
